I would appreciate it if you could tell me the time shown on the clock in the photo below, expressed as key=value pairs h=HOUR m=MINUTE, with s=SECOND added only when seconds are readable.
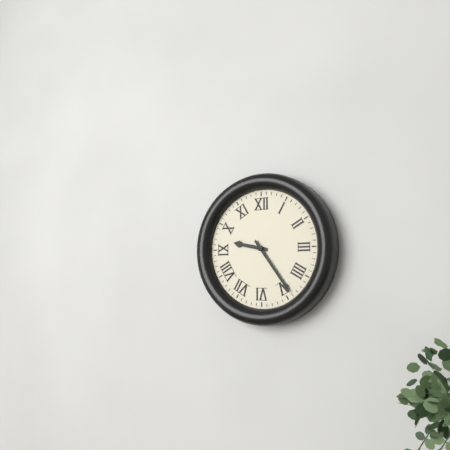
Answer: h=9 m=24
